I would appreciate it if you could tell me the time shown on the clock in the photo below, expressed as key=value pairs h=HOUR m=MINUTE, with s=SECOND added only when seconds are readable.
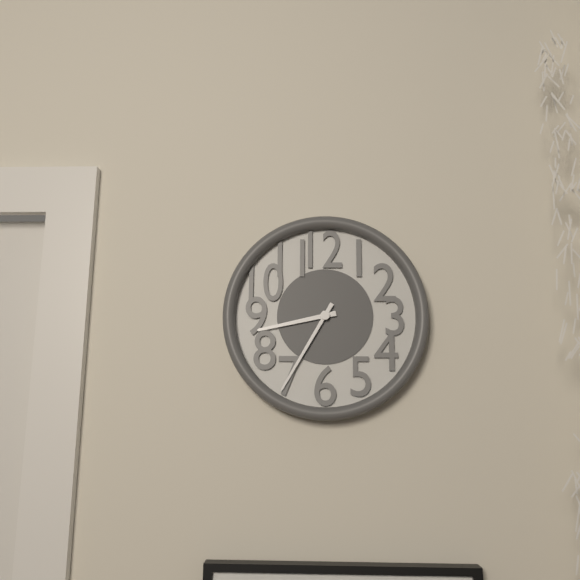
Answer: h=8 m=35
